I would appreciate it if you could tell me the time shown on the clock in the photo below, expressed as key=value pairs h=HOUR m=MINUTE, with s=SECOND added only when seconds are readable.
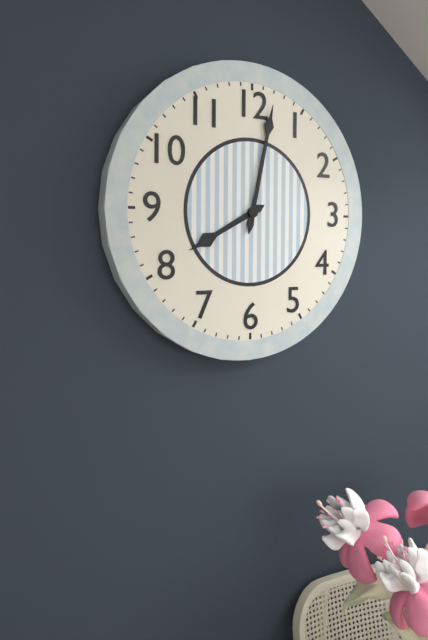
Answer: h=8 m=2
